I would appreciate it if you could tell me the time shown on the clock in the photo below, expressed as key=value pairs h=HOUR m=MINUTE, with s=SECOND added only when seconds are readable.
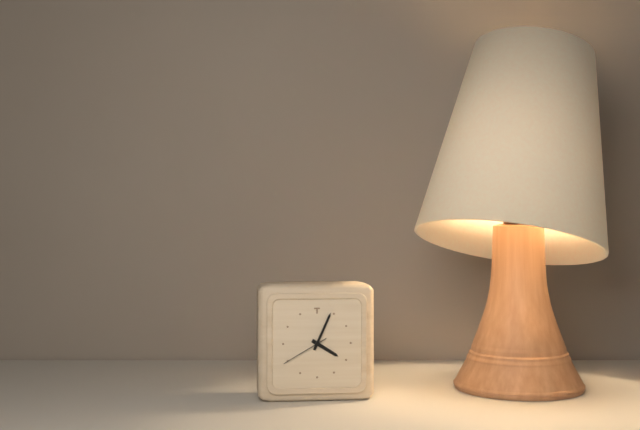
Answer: h=4 m=4
